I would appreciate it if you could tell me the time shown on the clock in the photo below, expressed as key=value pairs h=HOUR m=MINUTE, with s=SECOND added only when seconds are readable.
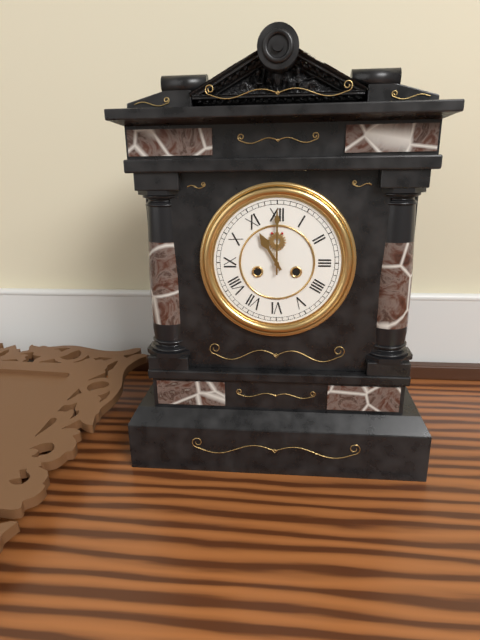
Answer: h=11 m=0
